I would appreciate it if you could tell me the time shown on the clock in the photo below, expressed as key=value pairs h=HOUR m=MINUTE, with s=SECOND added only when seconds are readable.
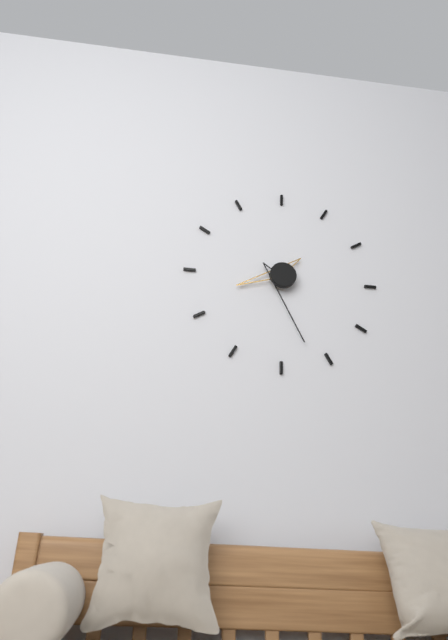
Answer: h=8 m=27
